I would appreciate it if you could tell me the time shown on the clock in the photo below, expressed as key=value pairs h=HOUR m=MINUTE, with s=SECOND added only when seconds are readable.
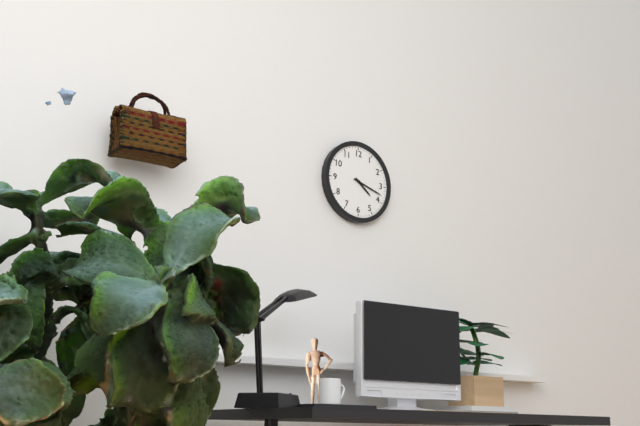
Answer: h=4 m=18
